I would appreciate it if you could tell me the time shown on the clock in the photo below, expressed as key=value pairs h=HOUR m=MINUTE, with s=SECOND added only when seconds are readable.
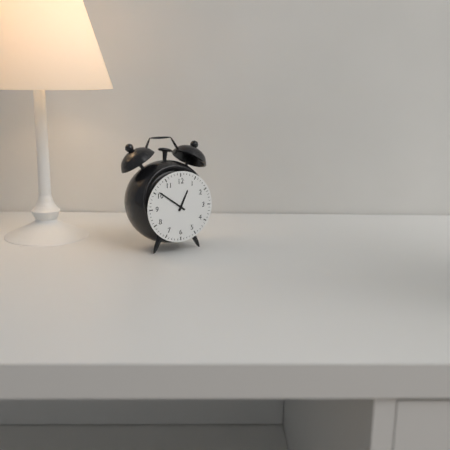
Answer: h=12 m=51
